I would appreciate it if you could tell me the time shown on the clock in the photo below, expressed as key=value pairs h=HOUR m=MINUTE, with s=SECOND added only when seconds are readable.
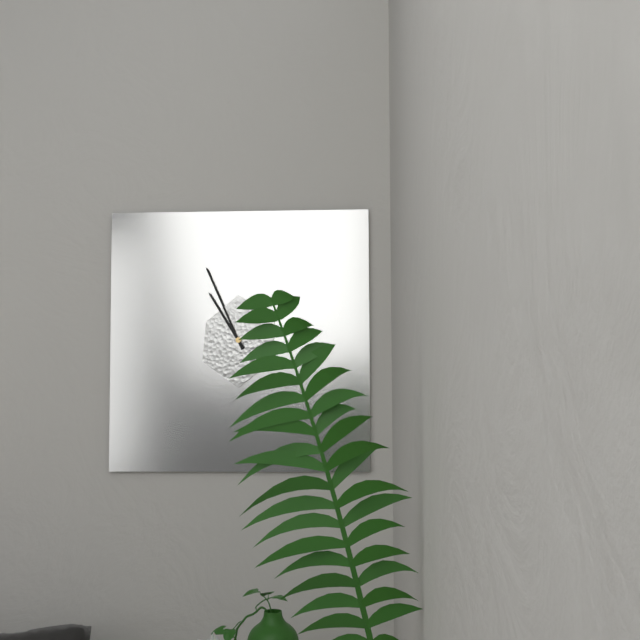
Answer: h=10 m=56
